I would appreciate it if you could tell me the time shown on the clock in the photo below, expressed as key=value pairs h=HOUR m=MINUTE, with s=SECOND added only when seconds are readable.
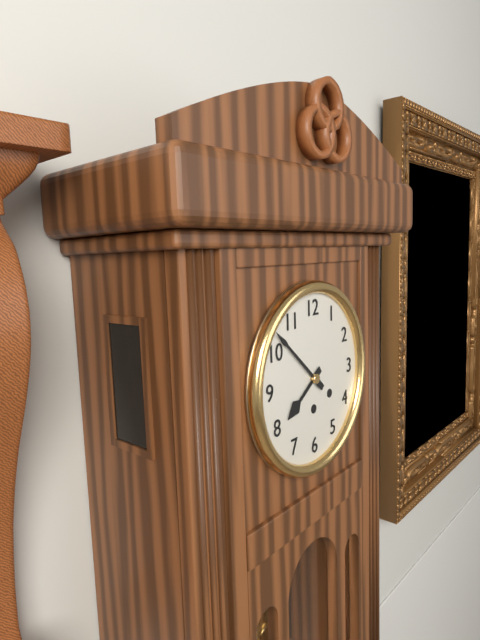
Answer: h=7 m=52
